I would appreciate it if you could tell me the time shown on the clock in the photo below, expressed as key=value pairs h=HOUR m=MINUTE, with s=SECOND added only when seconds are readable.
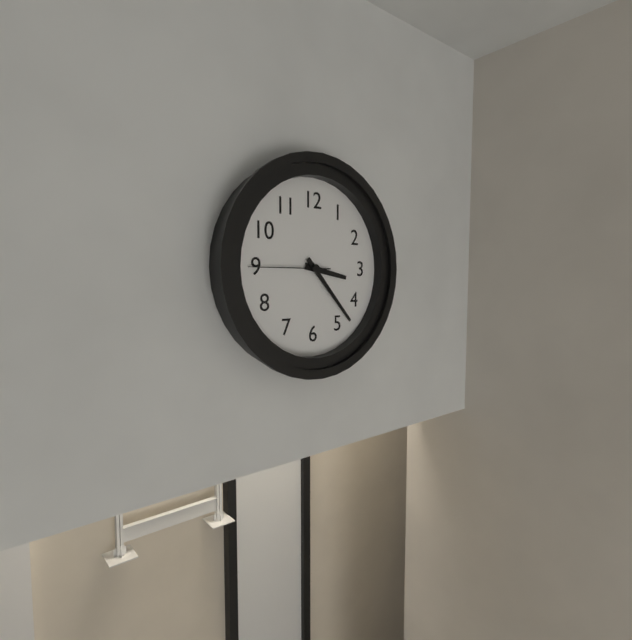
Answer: h=3 m=23 s=45
